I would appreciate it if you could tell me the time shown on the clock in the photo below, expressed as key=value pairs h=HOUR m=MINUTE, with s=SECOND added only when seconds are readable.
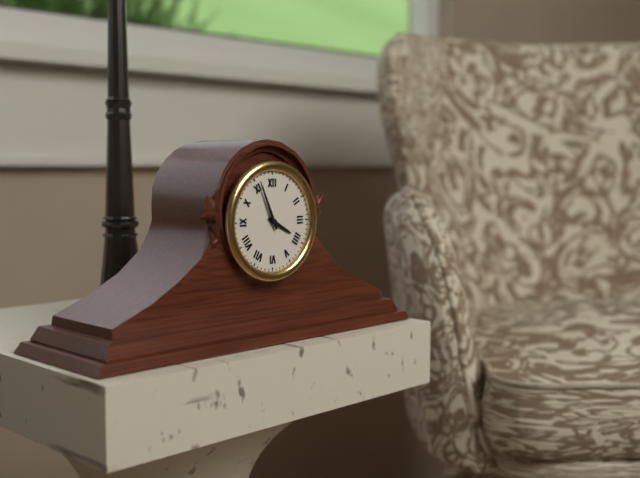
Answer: h=3 m=56
